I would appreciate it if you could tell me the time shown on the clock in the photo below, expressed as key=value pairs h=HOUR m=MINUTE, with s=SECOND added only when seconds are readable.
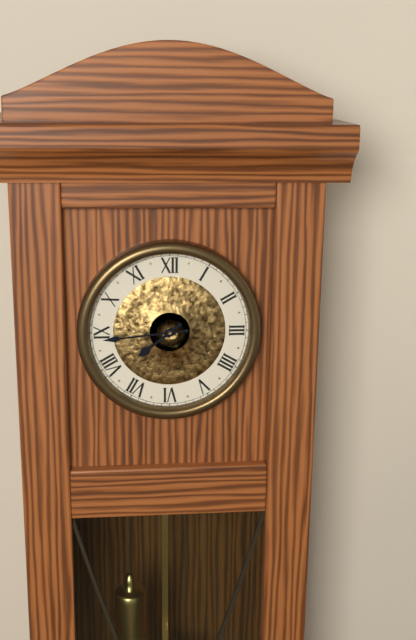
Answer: h=7 m=44
